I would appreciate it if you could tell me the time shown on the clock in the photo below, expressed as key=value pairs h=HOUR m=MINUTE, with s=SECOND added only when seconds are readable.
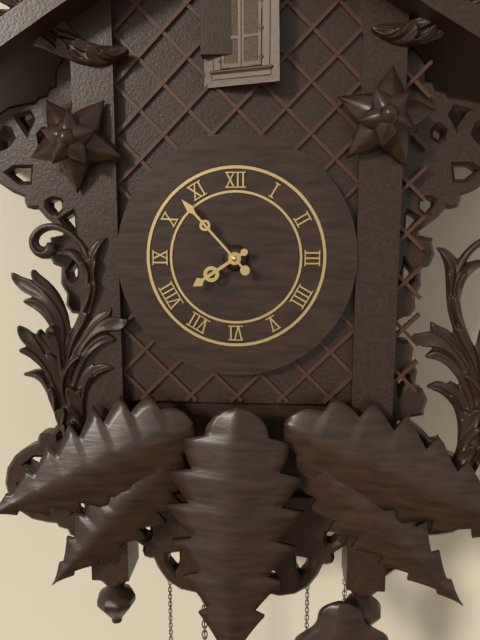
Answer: h=7 m=53
